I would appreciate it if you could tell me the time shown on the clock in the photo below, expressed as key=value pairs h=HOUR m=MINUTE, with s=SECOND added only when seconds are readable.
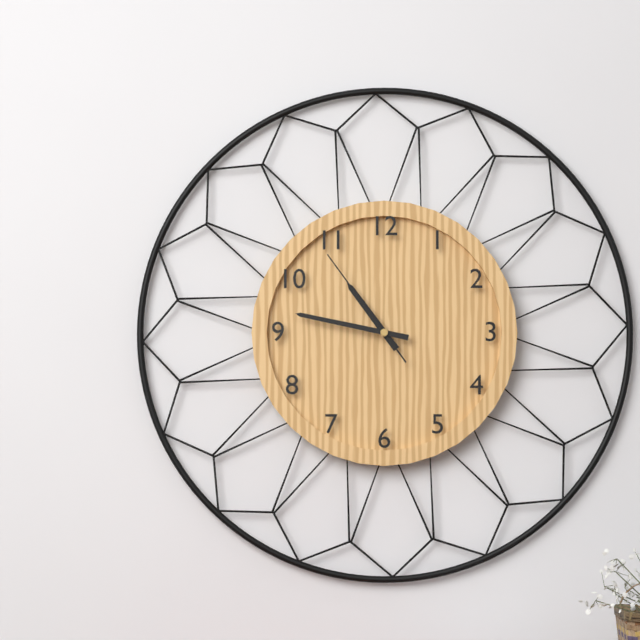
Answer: h=10 m=47 s=54
